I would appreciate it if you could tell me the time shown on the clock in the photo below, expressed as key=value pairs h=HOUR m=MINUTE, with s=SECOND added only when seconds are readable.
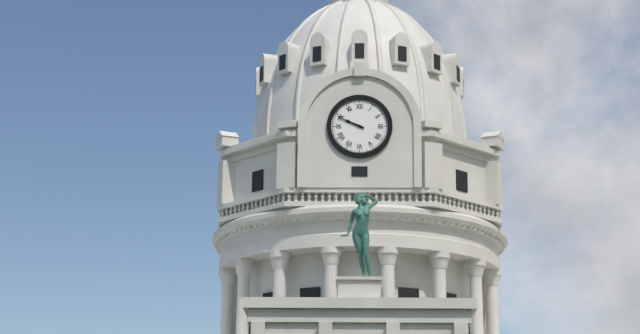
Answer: h=9 m=49
